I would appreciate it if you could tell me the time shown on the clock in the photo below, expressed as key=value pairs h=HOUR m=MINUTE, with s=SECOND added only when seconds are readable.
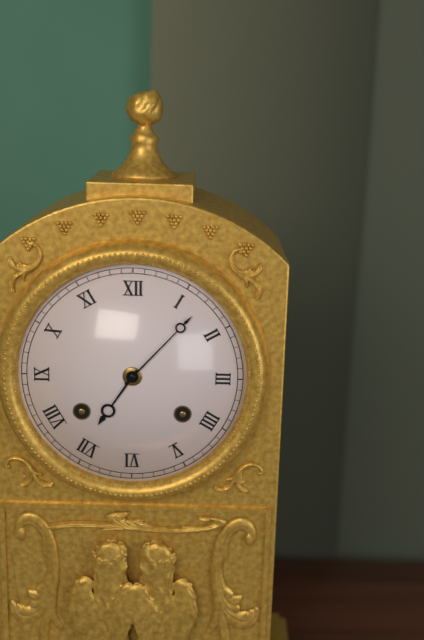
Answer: h=7 m=7
